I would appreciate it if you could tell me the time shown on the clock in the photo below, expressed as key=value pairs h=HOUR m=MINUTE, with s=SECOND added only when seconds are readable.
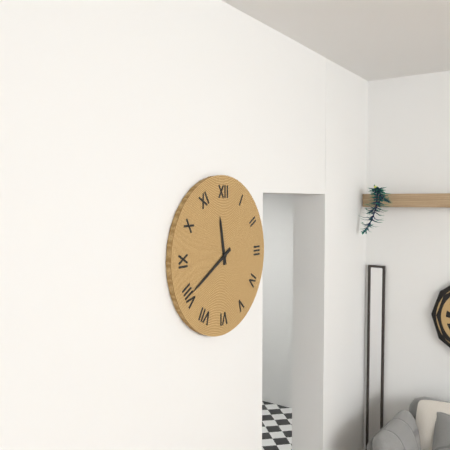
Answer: h=11 m=40
